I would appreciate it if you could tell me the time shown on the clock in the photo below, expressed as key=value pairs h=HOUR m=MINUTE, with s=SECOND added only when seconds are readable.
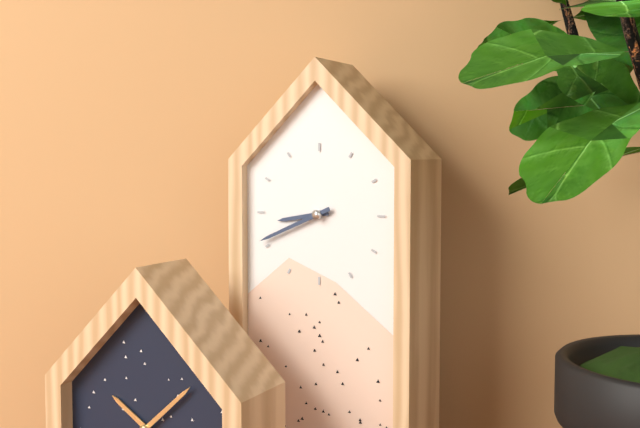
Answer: h=8 m=41
